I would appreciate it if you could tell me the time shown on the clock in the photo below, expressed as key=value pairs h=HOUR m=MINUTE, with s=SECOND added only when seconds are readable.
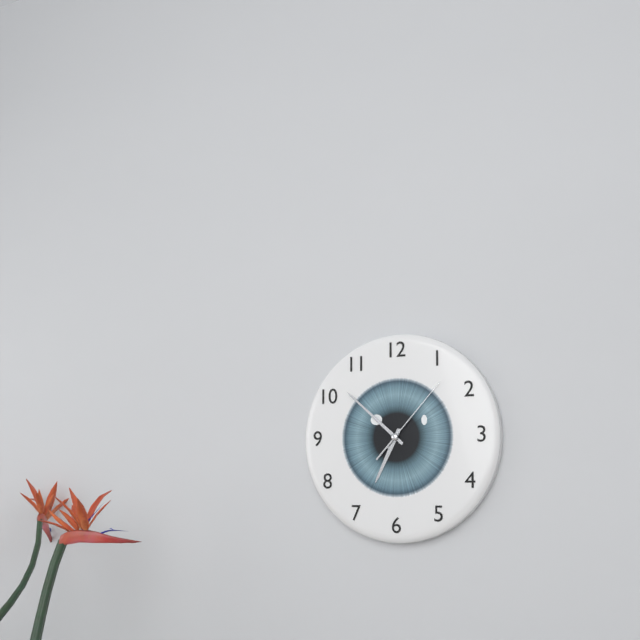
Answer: h=6 m=52 s=7
